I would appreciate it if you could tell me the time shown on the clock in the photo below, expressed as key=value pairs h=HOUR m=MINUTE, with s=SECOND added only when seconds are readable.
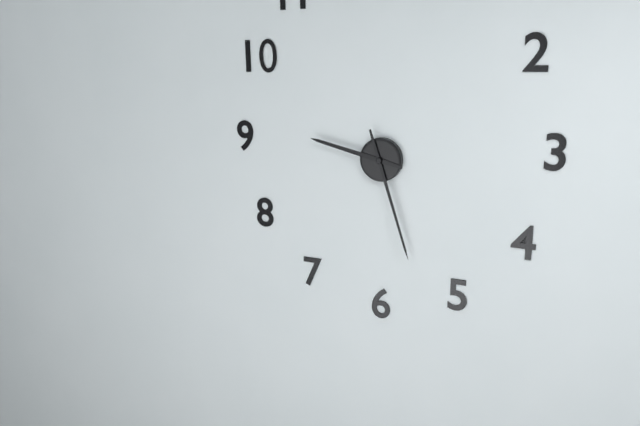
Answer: h=9 m=27
